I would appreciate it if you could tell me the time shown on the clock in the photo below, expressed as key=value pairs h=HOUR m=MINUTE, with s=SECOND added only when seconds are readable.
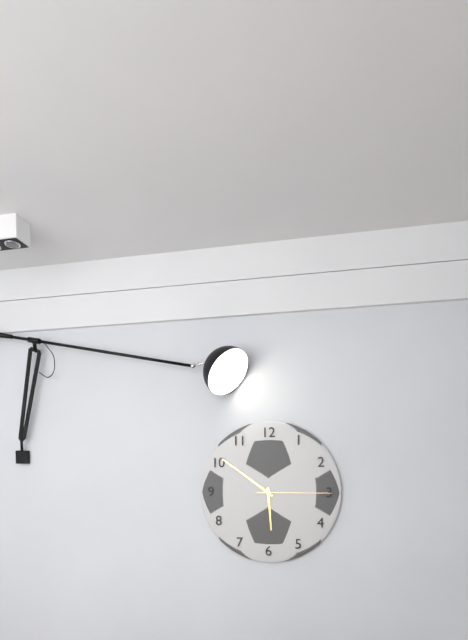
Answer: h=5 m=51 s=15
